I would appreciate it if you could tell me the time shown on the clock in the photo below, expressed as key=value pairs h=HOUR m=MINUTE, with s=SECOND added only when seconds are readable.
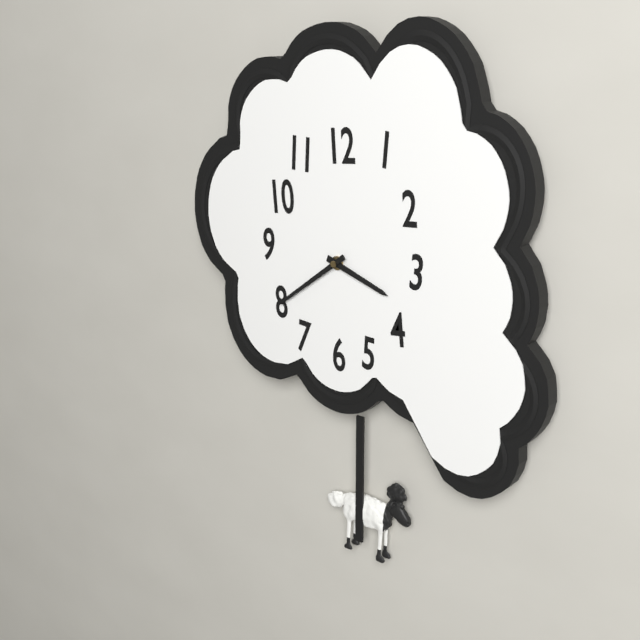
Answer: h=3 m=39
